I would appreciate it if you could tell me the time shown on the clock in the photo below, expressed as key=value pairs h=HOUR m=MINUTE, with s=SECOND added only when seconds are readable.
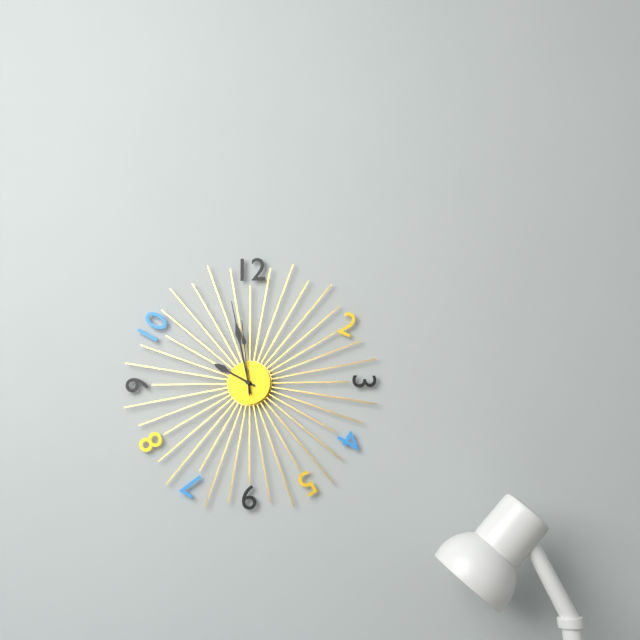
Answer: h=9 m=58 s=59
